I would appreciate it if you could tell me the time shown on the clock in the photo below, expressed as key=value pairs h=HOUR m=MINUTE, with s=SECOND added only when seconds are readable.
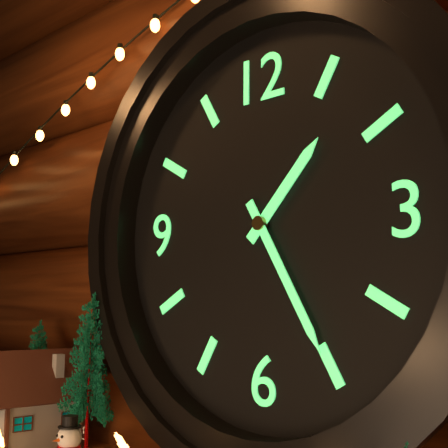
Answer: h=1 m=25
